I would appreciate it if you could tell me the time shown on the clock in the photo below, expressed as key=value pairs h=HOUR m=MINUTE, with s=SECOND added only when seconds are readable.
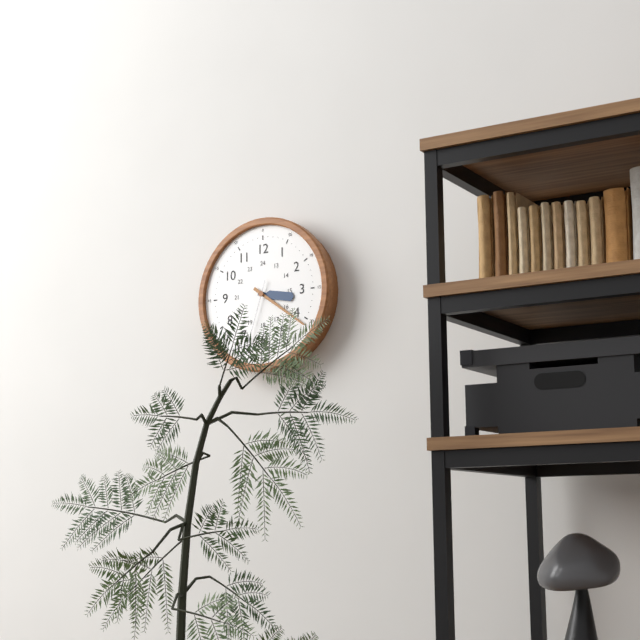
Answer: h=3 m=21 s=33
